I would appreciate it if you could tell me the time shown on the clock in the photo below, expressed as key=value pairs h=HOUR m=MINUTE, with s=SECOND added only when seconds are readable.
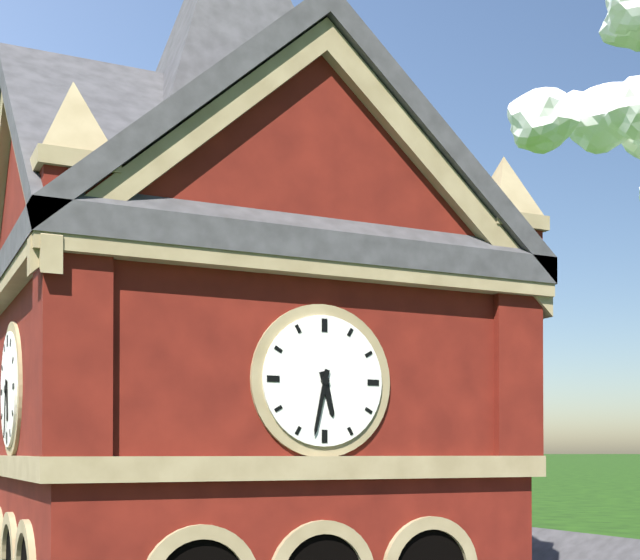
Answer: h=5 m=32
